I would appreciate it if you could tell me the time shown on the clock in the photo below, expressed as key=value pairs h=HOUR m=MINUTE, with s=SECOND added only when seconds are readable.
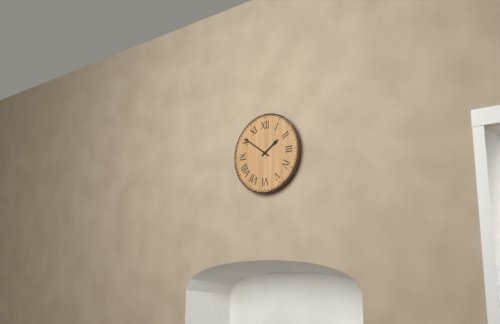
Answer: h=1 m=51
